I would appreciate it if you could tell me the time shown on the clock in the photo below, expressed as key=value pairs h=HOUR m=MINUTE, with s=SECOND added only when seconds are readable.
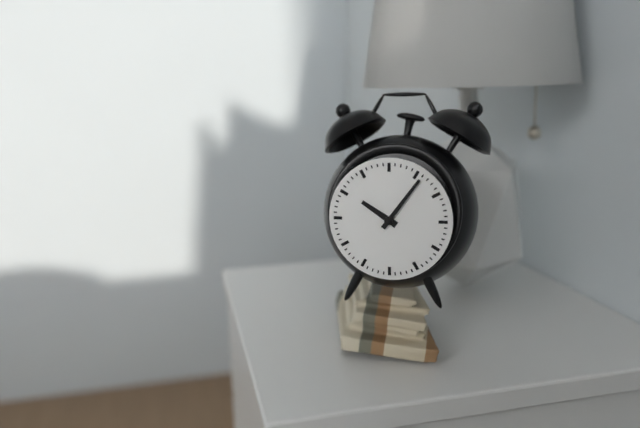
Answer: h=10 m=6
